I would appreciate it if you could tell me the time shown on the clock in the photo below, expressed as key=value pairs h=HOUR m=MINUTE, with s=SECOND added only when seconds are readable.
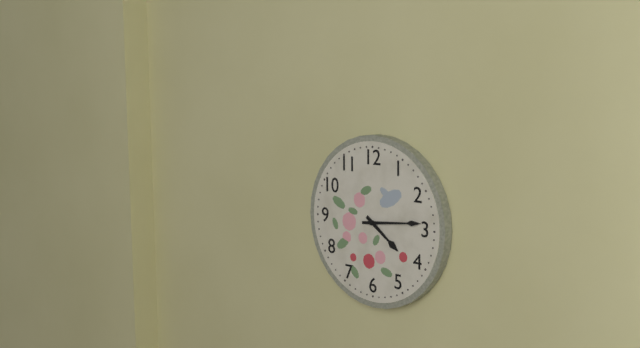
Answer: h=4 m=14
